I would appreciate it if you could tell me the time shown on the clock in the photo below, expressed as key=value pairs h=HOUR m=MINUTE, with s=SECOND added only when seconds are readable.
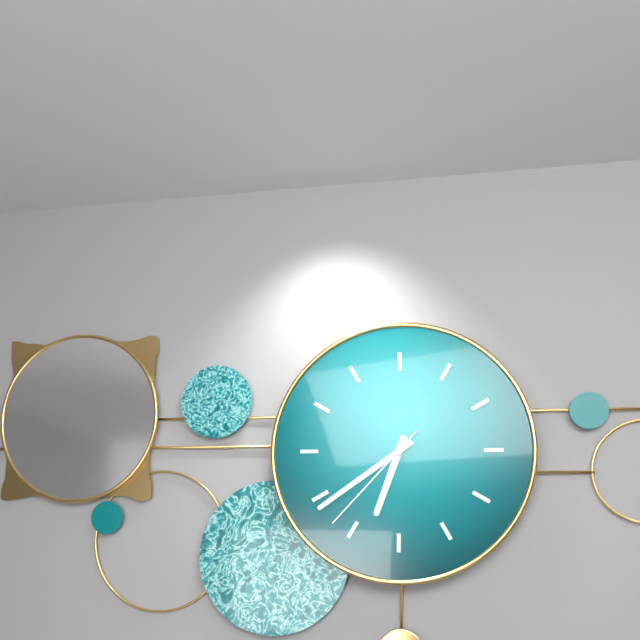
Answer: h=6 m=39 s=37
